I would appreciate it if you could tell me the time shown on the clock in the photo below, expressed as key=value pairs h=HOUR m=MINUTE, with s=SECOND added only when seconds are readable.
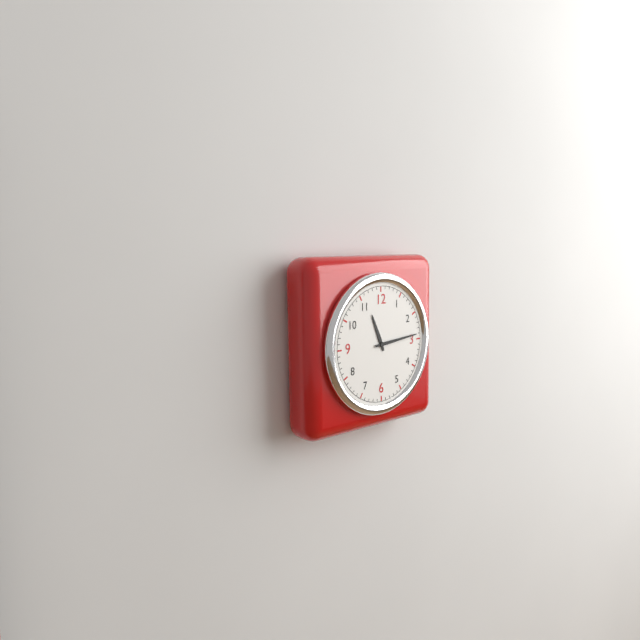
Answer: h=11 m=14
